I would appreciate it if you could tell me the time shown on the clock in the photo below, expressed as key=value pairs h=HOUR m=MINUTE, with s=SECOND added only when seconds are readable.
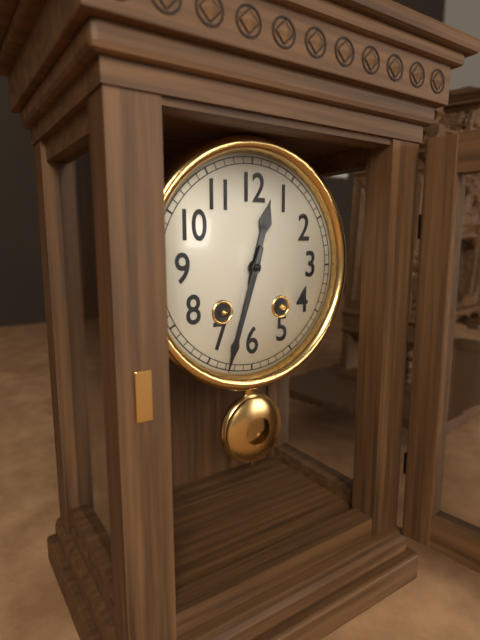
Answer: h=12 m=33
